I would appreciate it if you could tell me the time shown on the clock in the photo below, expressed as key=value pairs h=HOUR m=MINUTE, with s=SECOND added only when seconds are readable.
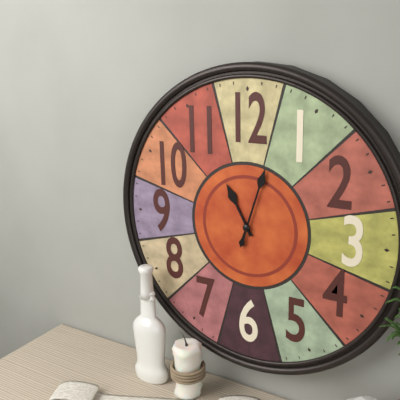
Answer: h=11 m=3
